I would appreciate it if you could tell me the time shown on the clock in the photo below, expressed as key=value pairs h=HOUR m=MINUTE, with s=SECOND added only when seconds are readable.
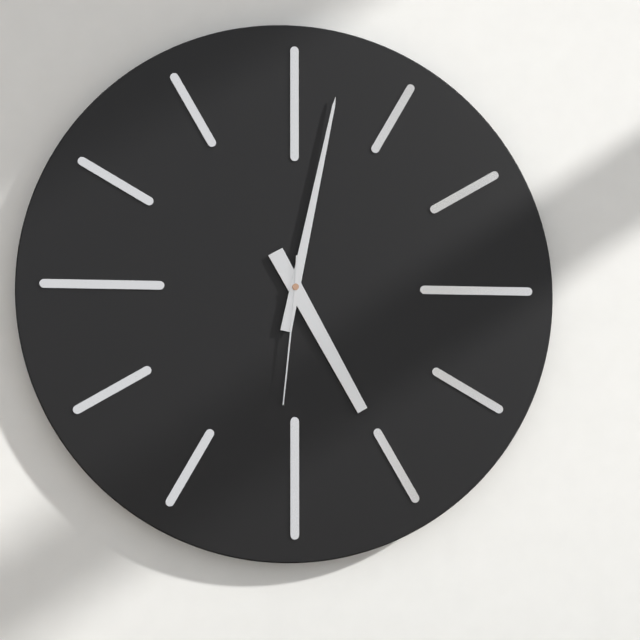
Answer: h=5 m=2 s=31
